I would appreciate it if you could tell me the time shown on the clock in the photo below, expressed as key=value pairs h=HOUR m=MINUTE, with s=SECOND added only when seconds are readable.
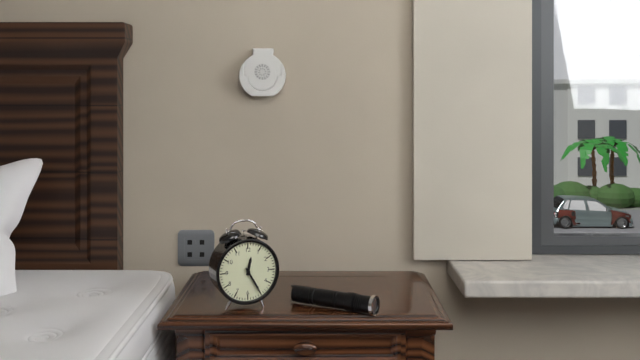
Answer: h=12 m=25
